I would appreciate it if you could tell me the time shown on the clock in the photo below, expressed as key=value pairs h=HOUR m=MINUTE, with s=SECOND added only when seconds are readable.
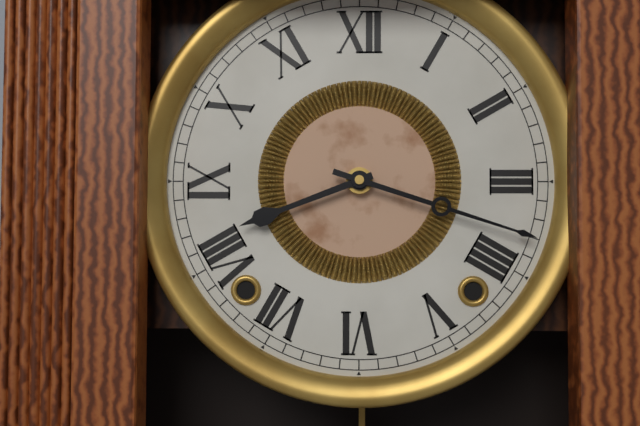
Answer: h=8 m=18
